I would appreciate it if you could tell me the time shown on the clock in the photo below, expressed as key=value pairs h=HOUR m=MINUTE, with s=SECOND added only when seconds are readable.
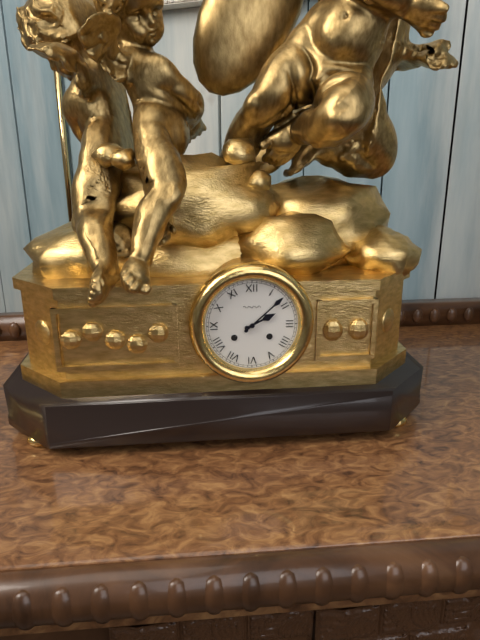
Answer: h=2 m=8
